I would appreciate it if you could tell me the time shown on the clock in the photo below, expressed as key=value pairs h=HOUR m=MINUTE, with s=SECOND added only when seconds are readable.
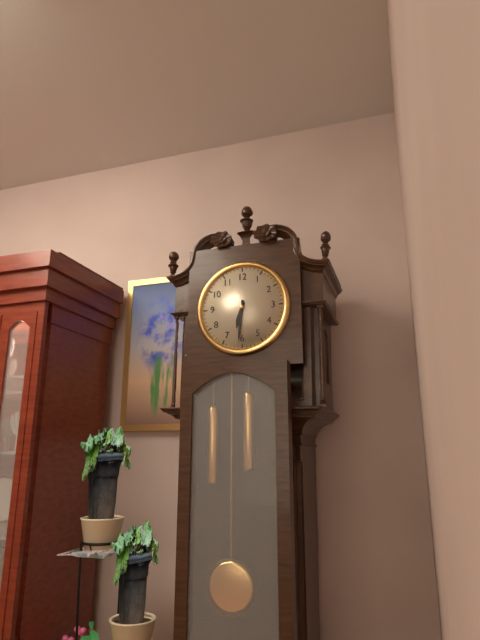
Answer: h=6 m=31
